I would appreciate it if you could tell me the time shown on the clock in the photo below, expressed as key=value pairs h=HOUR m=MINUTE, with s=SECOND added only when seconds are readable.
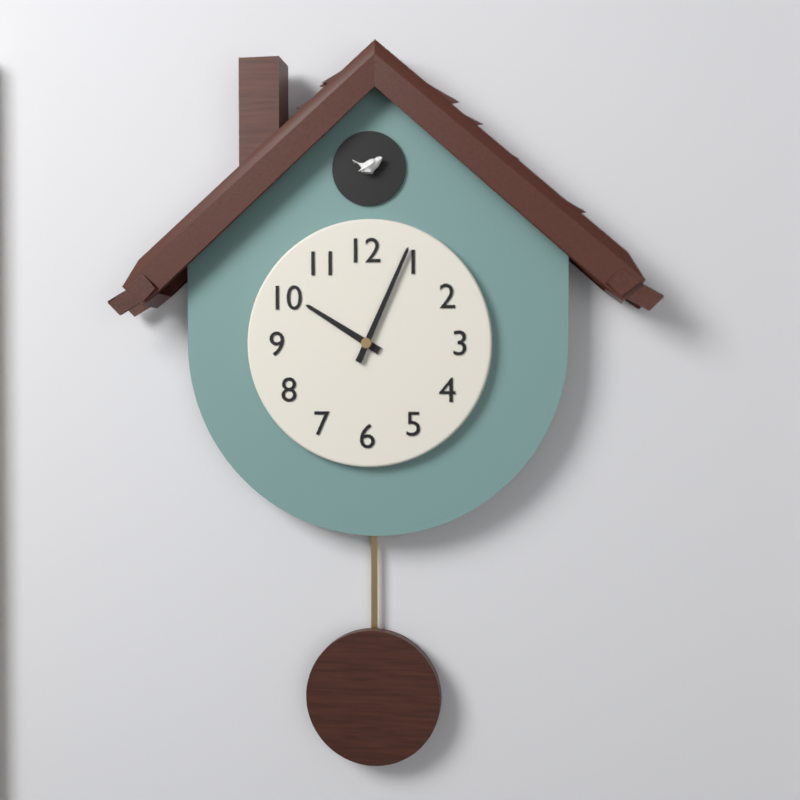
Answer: h=10 m=4
